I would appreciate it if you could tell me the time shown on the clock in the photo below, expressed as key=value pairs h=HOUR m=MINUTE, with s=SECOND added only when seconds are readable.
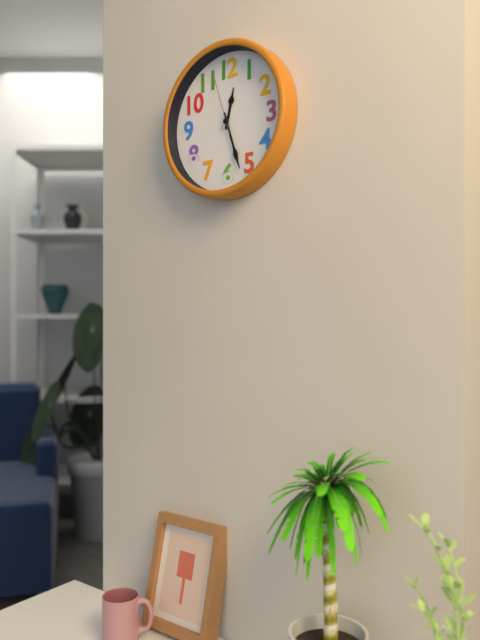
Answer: h=12 m=27 s=57
